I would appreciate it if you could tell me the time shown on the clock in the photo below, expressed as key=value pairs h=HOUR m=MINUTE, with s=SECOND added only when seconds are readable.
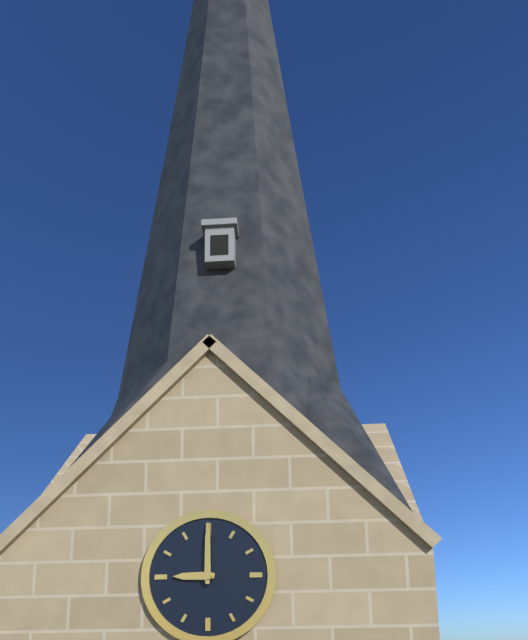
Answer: h=9 m=0
